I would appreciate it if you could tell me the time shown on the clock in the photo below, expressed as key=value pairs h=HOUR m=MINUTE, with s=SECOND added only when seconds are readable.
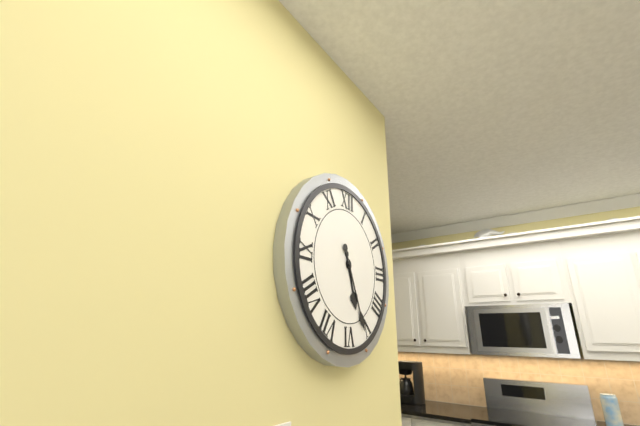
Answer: h=5 m=26
